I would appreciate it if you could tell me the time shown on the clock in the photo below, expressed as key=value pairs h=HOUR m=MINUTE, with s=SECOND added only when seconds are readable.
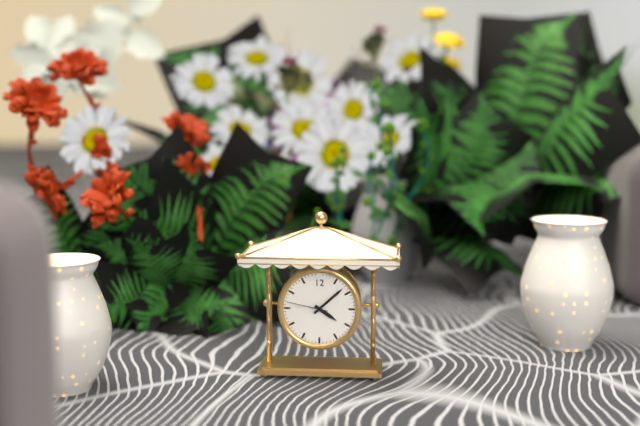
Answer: h=4 m=8
